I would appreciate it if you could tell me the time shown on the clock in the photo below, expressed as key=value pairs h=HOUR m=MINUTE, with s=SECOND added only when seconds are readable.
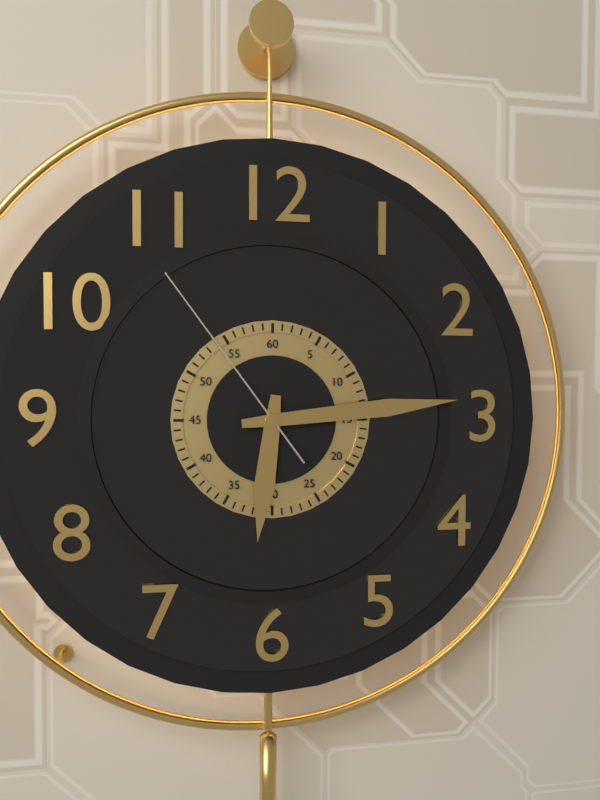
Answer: h=6 m=14 s=54
